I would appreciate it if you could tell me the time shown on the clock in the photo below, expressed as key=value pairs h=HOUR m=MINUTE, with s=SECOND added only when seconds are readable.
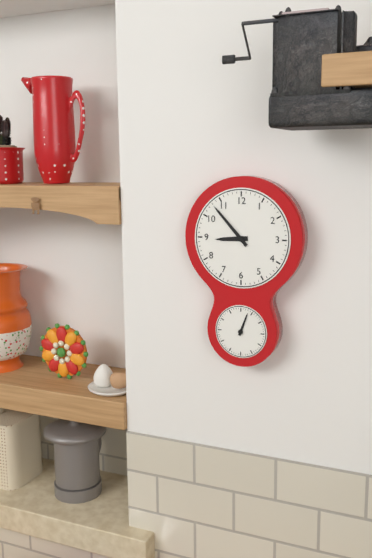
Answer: h=8 m=53
